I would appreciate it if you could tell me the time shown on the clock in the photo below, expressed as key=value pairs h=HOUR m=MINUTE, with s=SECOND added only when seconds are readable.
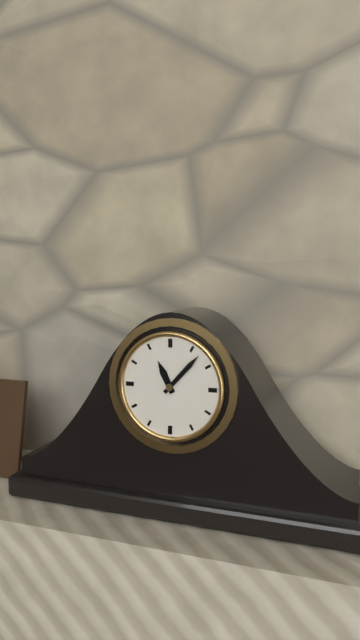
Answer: h=11 m=7
